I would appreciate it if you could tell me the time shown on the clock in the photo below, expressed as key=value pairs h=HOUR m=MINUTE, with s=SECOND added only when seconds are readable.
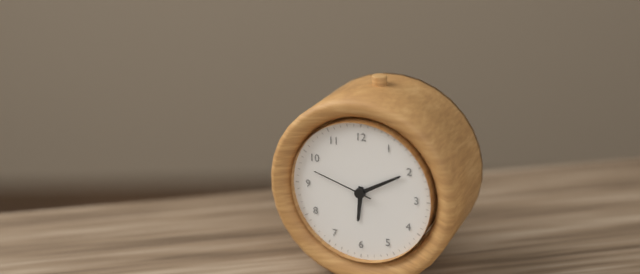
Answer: h=6 m=10 s=48
